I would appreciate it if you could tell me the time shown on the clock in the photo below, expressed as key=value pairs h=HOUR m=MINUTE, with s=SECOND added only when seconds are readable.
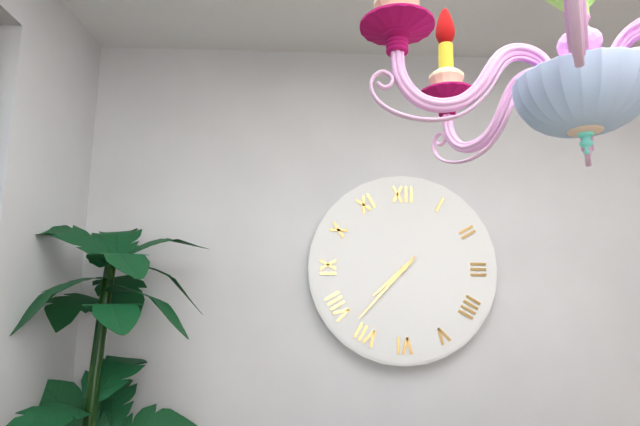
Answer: h=7 m=37
